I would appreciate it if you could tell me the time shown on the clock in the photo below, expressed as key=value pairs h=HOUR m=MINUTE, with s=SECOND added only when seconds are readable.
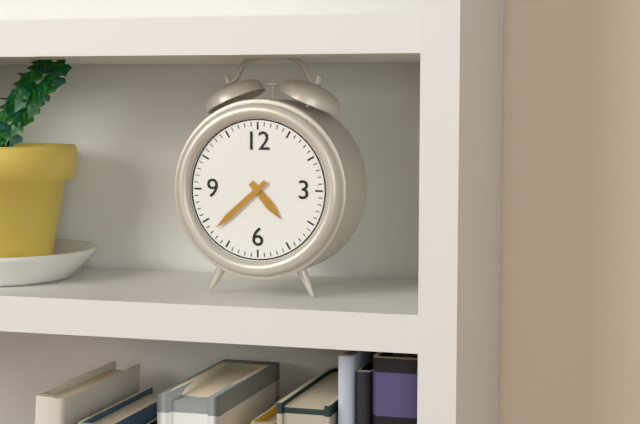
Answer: h=4 m=38
